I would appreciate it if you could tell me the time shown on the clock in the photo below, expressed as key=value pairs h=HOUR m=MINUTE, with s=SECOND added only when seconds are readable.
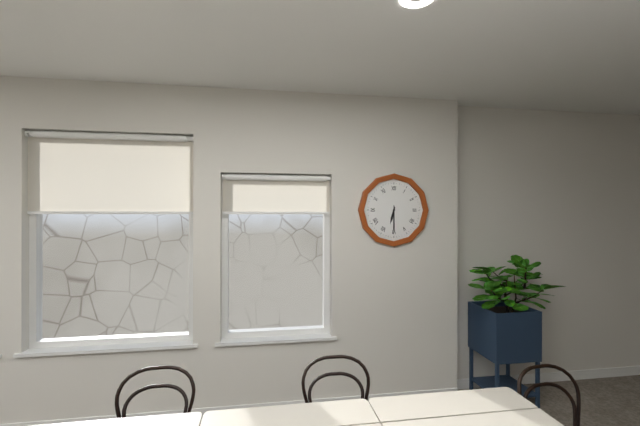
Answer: h=6 m=30
